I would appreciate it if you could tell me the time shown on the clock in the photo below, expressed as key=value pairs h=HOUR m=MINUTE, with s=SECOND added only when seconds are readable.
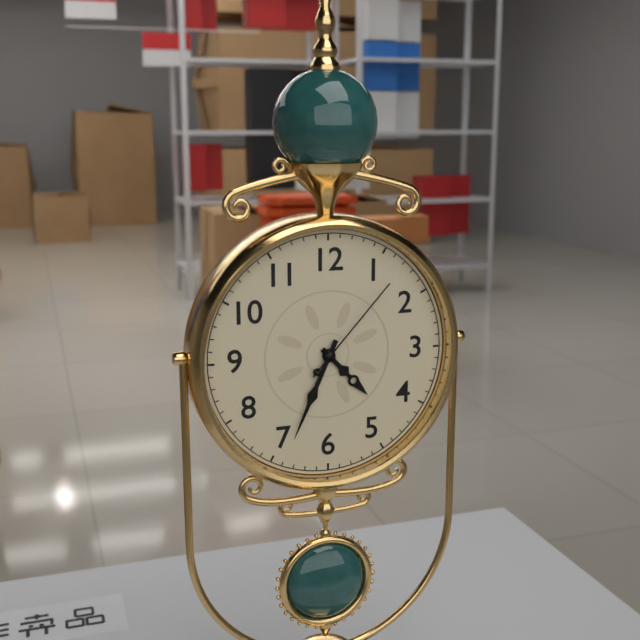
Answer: h=4 m=34 s=7
